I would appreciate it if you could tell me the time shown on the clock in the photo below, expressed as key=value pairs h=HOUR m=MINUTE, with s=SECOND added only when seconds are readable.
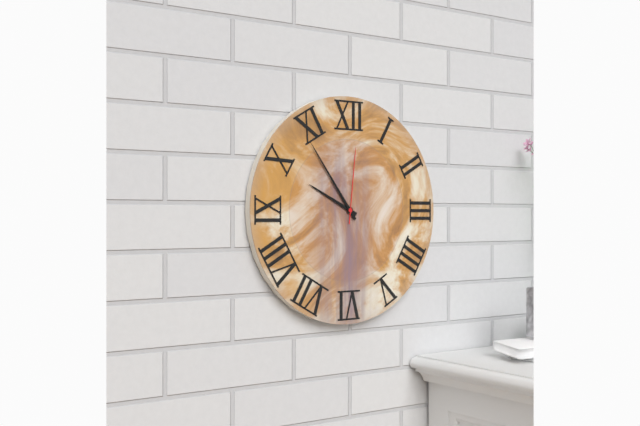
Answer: h=9 m=54 s=1
